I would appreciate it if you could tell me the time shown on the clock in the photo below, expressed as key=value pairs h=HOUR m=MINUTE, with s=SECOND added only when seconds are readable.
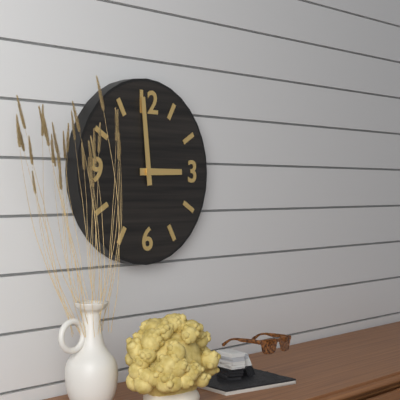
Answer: h=2 m=59
